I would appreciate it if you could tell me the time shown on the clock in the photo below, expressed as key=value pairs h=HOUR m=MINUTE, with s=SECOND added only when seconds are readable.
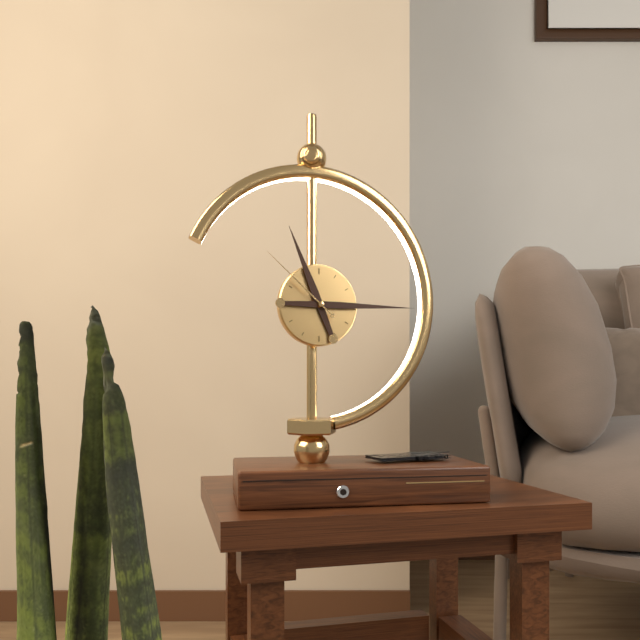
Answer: h=11 m=15 s=52
